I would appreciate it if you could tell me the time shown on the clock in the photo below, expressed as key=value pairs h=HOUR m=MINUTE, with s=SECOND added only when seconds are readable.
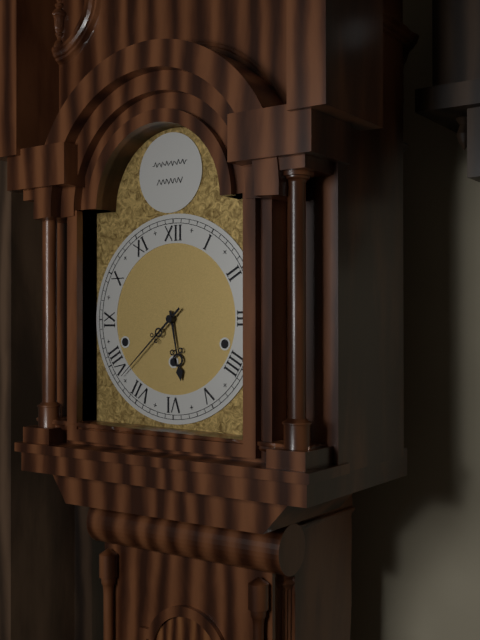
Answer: h=5 m=38
